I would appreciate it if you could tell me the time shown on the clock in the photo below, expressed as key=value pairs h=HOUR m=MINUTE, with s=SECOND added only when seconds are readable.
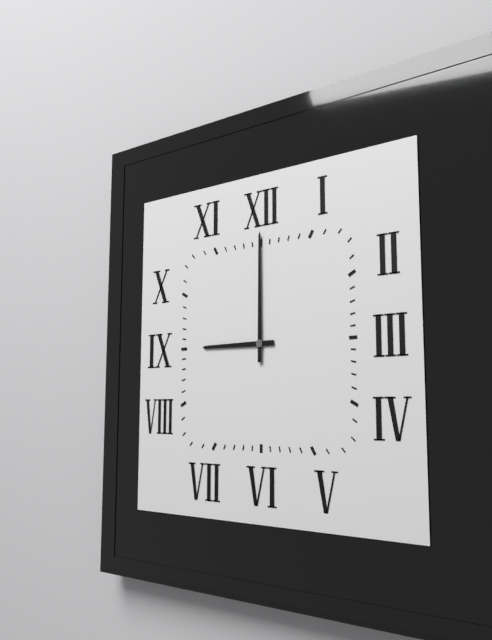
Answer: h=9 m=0
